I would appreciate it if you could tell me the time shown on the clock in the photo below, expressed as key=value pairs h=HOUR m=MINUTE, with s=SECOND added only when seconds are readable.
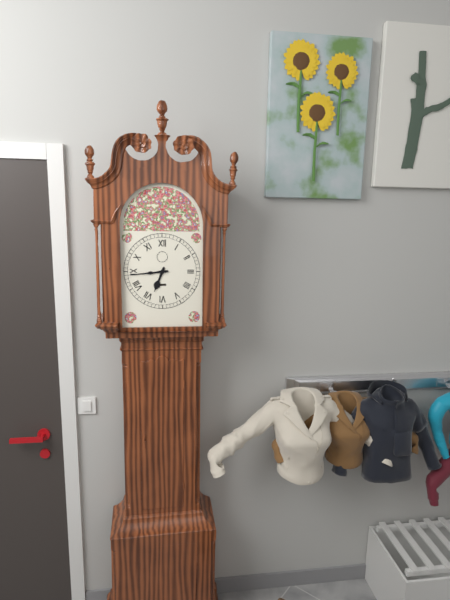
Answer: h=6 m=44
